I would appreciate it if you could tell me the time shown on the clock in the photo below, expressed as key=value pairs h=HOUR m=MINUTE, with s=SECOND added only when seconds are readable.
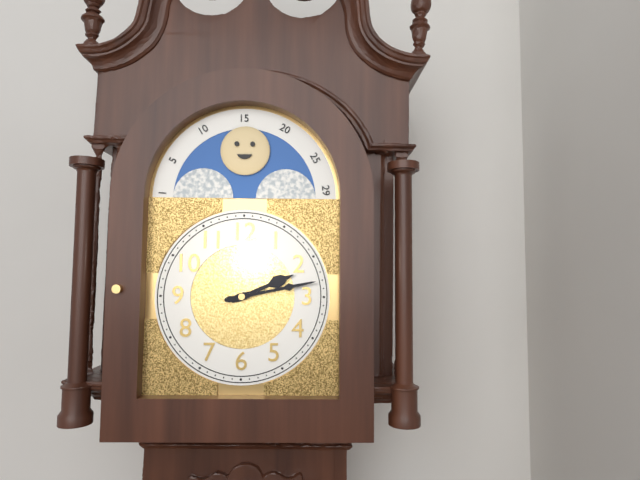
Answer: h=2 m=13
